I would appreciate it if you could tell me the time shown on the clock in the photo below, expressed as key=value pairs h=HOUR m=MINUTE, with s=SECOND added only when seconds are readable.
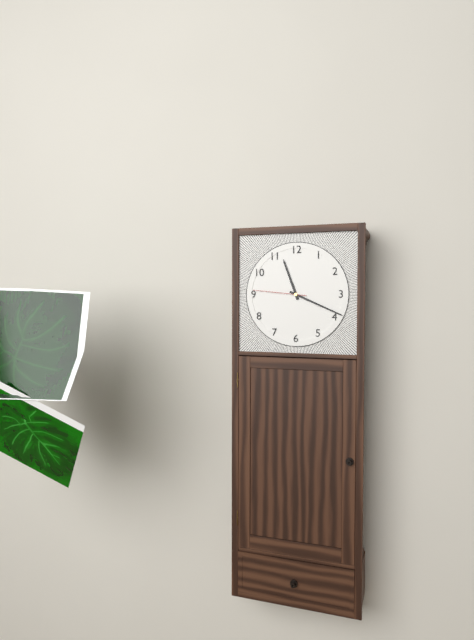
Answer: h=11 m=19 s=46
